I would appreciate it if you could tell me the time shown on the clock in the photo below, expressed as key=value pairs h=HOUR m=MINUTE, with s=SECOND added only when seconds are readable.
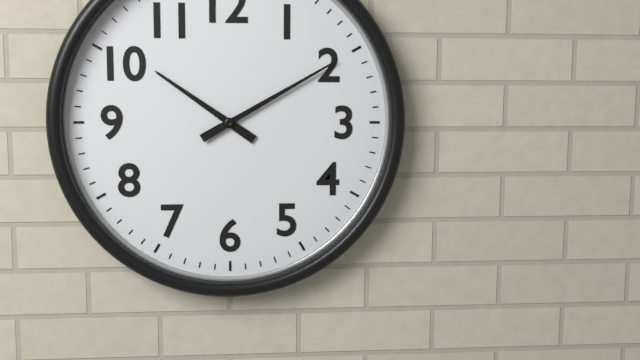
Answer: h=10 m=10
